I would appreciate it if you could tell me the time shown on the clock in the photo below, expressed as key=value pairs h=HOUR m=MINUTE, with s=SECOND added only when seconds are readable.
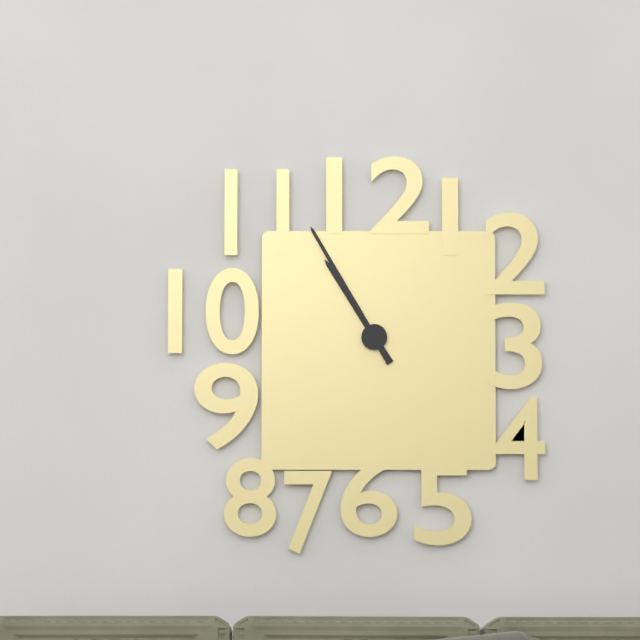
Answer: h=10 m=55
